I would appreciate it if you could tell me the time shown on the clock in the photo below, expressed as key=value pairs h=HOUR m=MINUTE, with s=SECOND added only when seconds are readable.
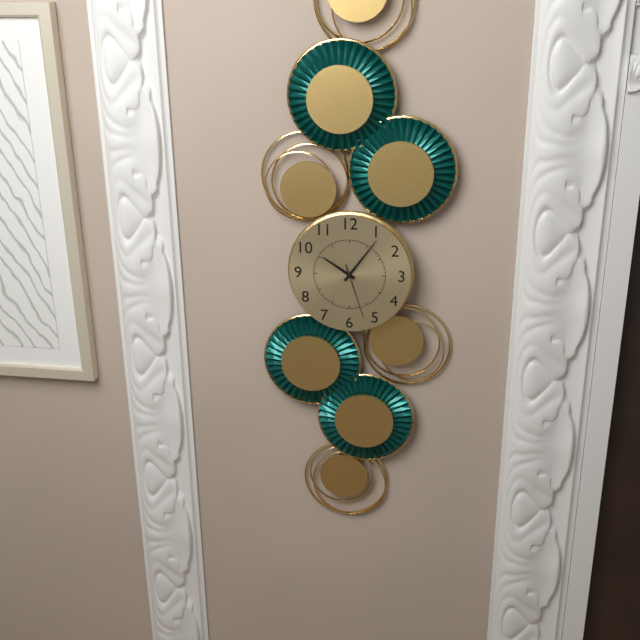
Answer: h=10 m=6 s=27
